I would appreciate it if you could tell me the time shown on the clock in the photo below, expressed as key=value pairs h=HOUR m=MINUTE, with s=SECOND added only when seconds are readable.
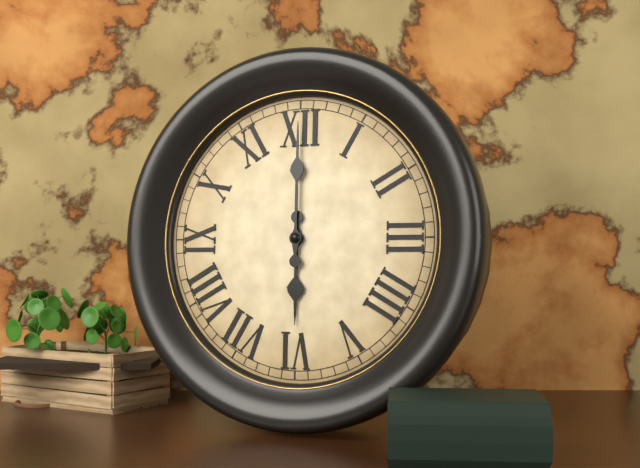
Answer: h=6 m=0
